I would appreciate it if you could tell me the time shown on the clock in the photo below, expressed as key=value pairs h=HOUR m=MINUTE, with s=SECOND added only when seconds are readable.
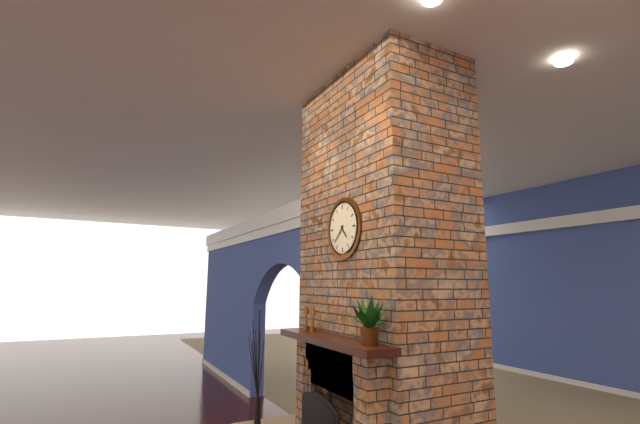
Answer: h=4 m=38
